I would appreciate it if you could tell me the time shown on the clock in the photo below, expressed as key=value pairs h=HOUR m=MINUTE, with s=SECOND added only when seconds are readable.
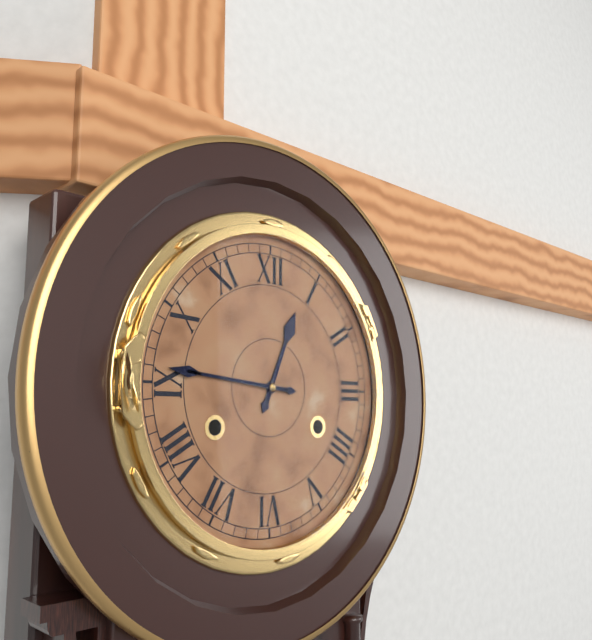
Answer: h=12 m=46
